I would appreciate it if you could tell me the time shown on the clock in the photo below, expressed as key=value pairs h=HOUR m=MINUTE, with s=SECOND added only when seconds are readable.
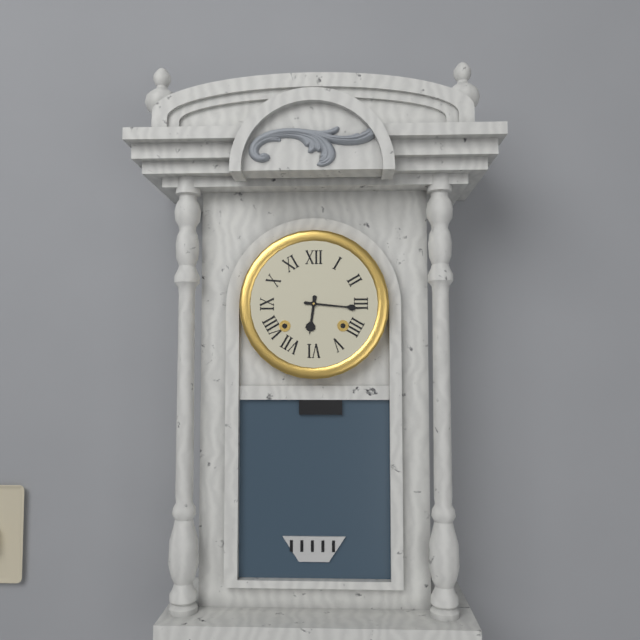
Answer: h=6 m=16
